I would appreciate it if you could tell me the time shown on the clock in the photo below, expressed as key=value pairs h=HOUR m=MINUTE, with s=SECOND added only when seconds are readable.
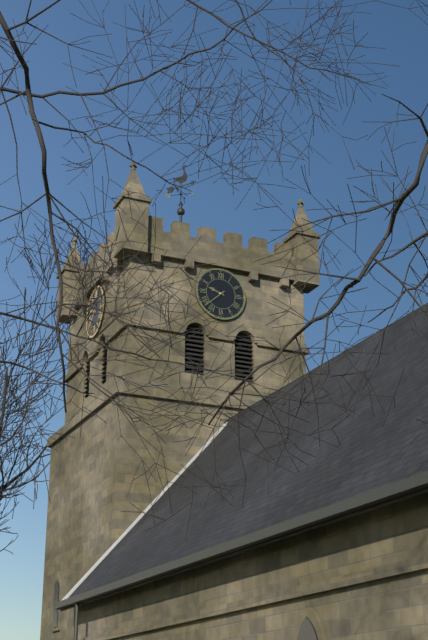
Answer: h=9 m=38
